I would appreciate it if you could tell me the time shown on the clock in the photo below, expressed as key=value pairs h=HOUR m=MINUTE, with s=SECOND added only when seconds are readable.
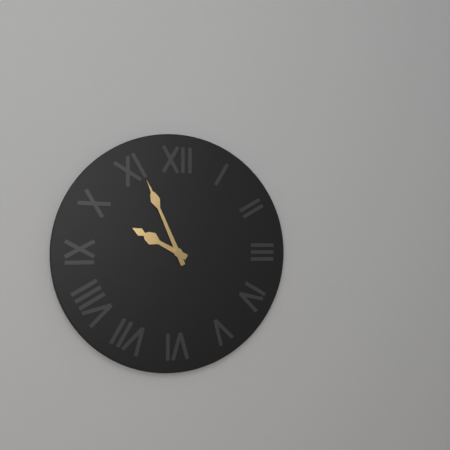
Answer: h=9 m=56
